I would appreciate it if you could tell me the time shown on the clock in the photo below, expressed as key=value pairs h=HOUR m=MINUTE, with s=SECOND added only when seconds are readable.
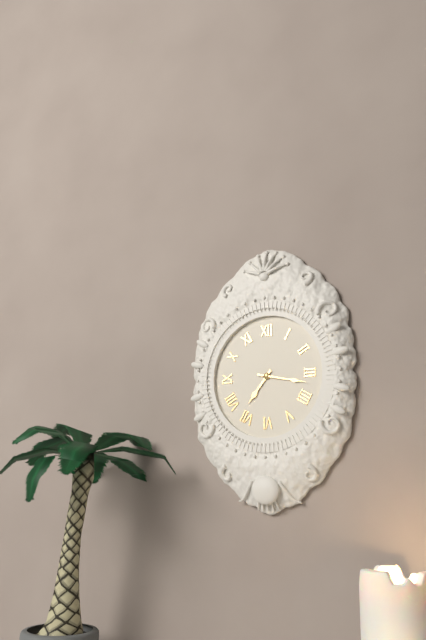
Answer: h=7 m=17
